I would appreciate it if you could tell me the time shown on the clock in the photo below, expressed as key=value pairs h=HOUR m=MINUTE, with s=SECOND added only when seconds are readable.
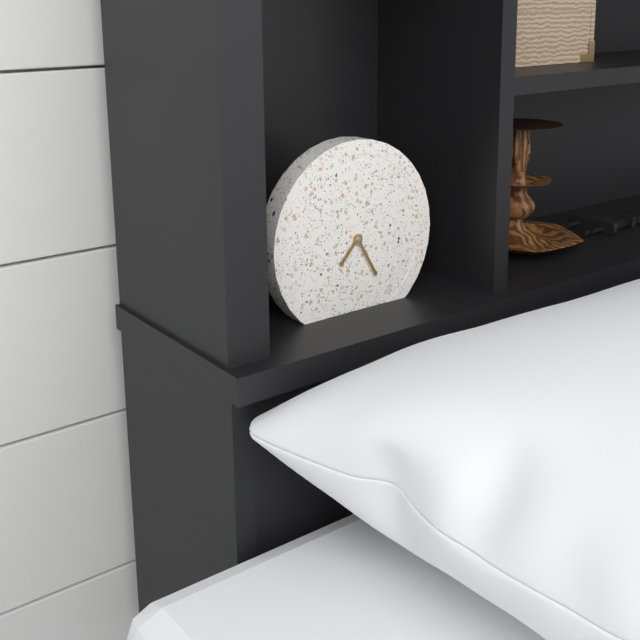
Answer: h=7 m=25
